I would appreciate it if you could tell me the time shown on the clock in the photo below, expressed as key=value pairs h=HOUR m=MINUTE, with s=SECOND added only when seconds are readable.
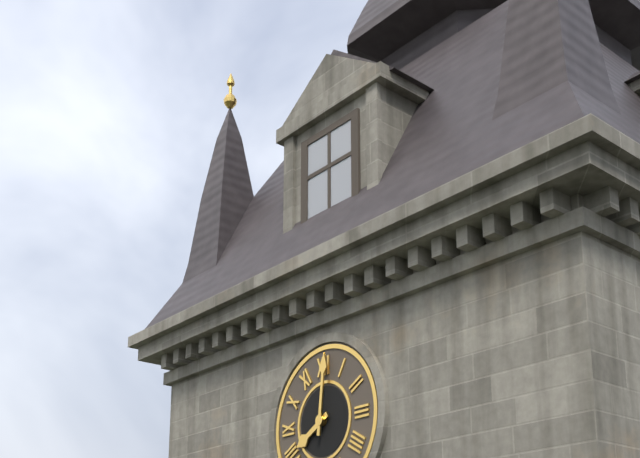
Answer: h=8 m=1
